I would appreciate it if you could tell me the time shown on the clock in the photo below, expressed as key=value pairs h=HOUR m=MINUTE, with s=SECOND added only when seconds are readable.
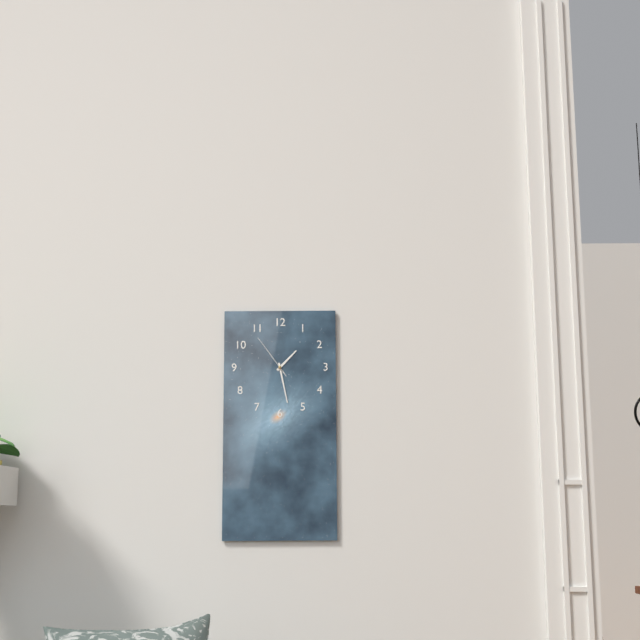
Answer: h=1 m=28
